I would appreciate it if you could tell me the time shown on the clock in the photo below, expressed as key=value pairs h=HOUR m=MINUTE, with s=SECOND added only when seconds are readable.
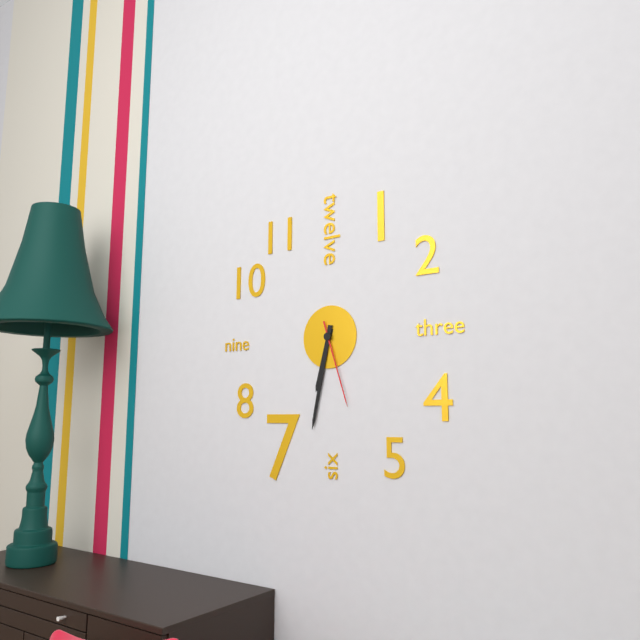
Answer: h=6 m=32 s=27
